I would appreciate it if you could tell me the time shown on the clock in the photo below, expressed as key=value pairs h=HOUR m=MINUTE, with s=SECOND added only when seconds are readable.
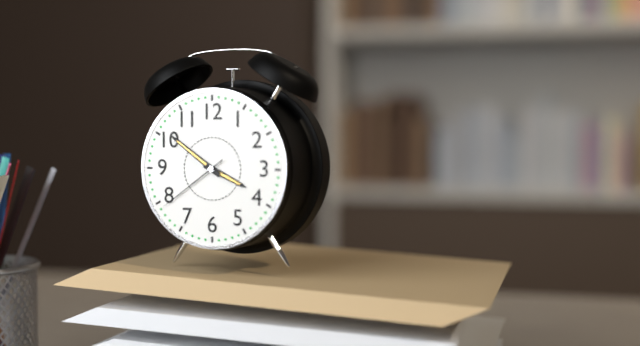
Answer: h=3 m=51 s=39
